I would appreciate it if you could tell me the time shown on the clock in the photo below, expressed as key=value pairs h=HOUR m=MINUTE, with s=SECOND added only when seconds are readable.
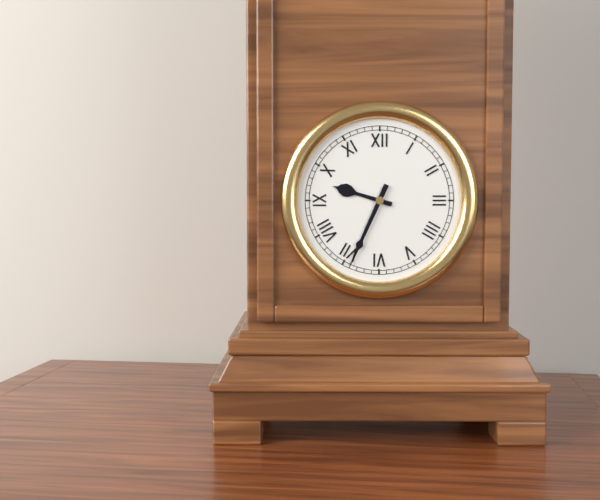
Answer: h=9 m=34
